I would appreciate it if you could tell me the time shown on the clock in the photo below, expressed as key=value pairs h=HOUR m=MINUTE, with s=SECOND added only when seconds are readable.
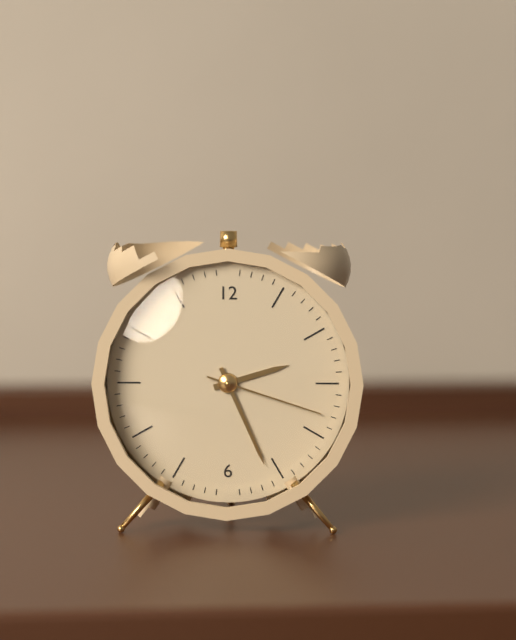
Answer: h=2 m=26 s=18
